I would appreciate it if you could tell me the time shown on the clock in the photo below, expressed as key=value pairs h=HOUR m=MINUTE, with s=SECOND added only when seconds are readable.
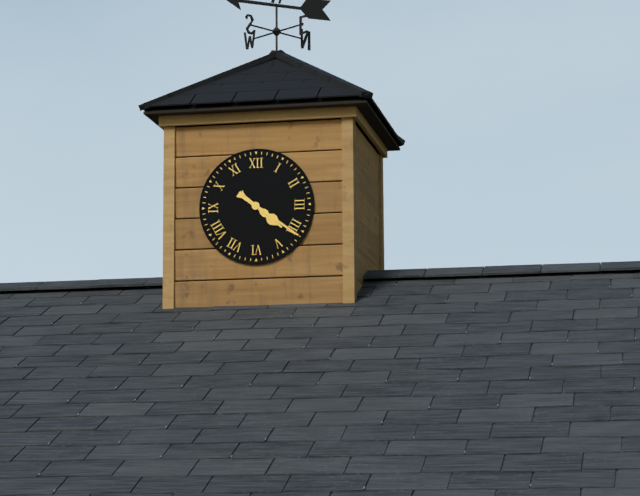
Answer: h=4 m=21
